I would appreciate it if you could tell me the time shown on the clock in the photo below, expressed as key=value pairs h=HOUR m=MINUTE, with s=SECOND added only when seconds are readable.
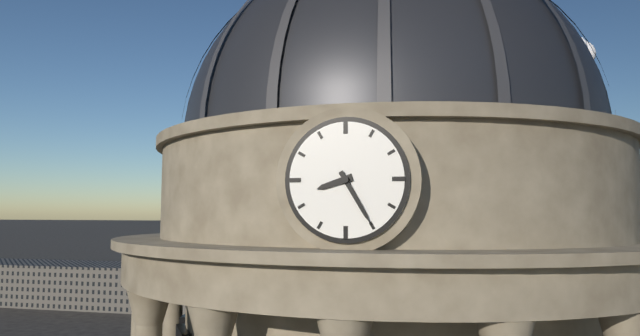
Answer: h=8 m=25
